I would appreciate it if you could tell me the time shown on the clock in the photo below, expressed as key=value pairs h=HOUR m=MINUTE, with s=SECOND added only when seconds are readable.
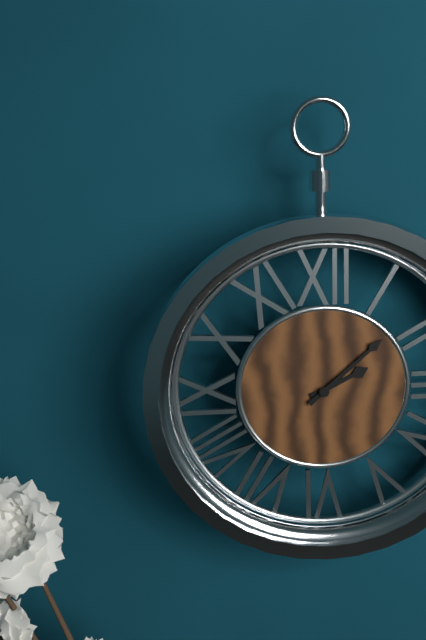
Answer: h=2 m=8
